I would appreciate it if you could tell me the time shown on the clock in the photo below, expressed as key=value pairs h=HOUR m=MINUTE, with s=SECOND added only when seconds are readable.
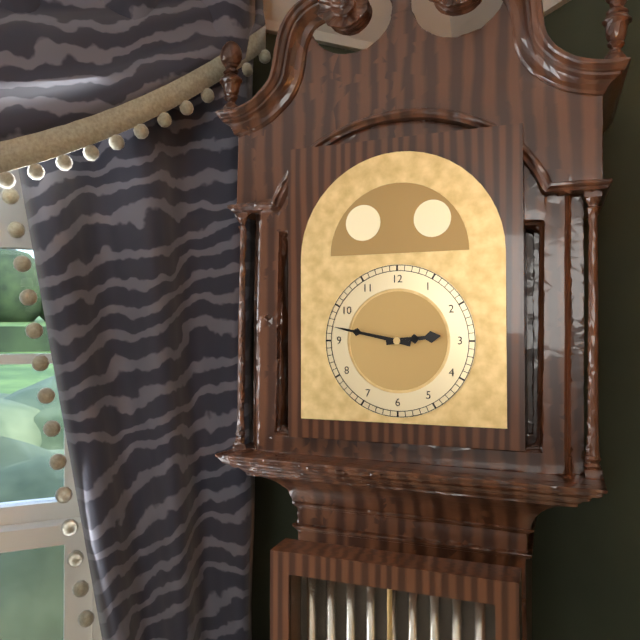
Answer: h=2 m=47
